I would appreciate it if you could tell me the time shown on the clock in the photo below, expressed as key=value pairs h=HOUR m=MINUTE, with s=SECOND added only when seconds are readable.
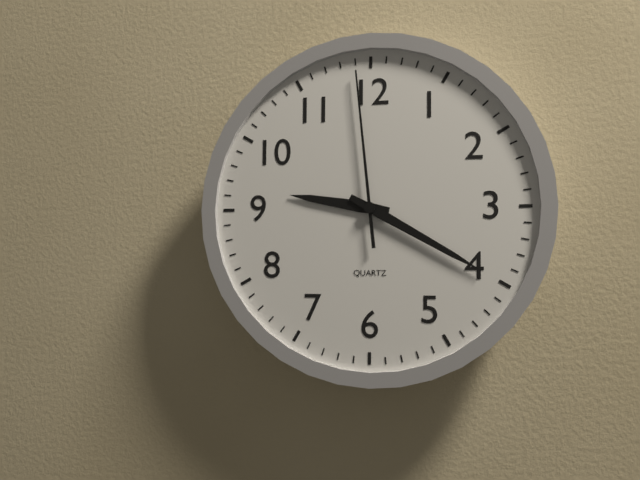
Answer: h=9 m=20 s=59
